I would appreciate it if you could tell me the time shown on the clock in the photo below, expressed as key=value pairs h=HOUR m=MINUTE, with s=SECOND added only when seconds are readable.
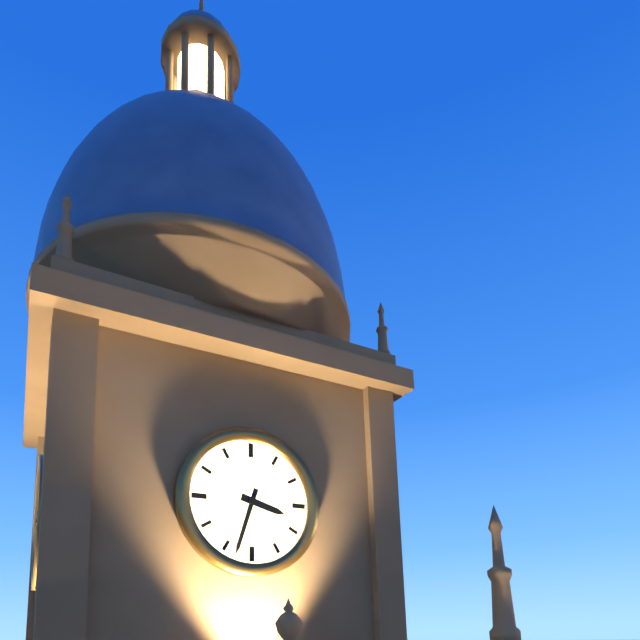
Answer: h=3 m=33
